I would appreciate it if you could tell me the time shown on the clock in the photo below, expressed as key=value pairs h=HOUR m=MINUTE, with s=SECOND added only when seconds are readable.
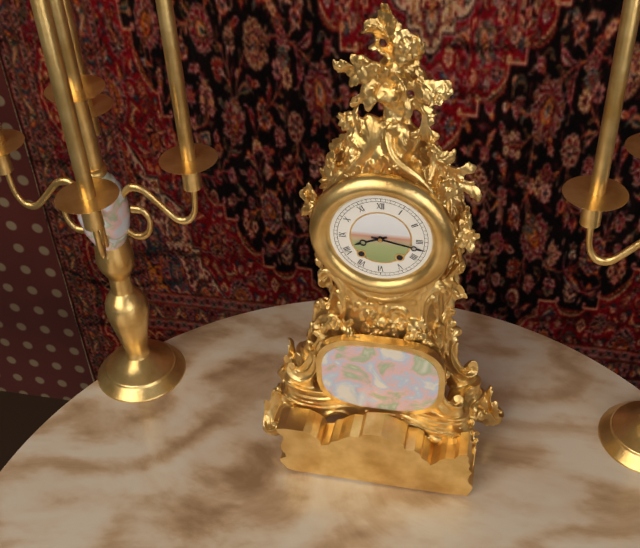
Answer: h=8 m=17
